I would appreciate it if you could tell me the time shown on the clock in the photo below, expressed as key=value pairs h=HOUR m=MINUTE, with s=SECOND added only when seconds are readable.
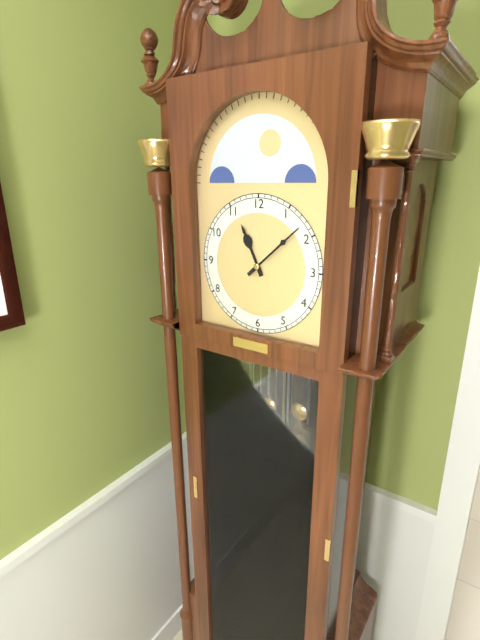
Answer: h=11 m=8
